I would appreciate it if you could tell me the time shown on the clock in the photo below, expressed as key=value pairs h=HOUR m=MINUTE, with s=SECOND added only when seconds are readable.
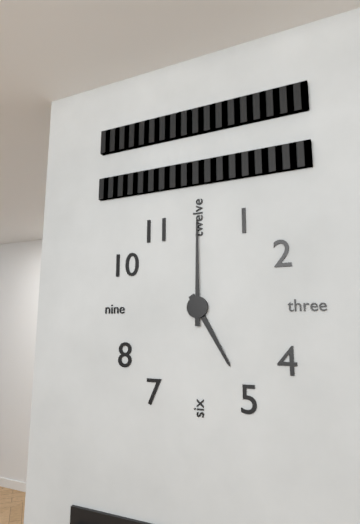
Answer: h=5 m=0
